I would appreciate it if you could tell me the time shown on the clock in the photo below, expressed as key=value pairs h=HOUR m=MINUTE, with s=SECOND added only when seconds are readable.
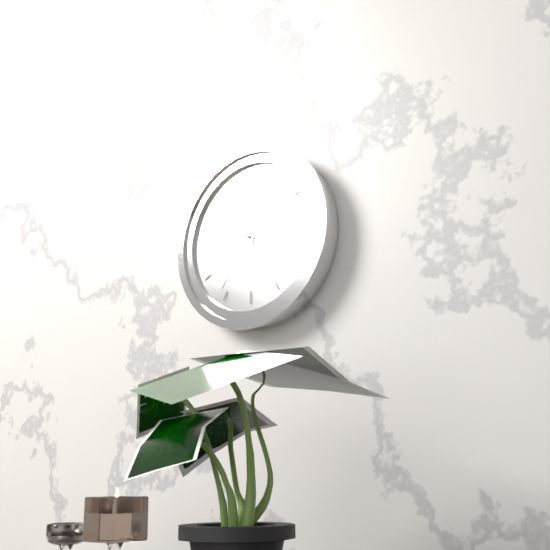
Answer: h=5 m=36 s=48
